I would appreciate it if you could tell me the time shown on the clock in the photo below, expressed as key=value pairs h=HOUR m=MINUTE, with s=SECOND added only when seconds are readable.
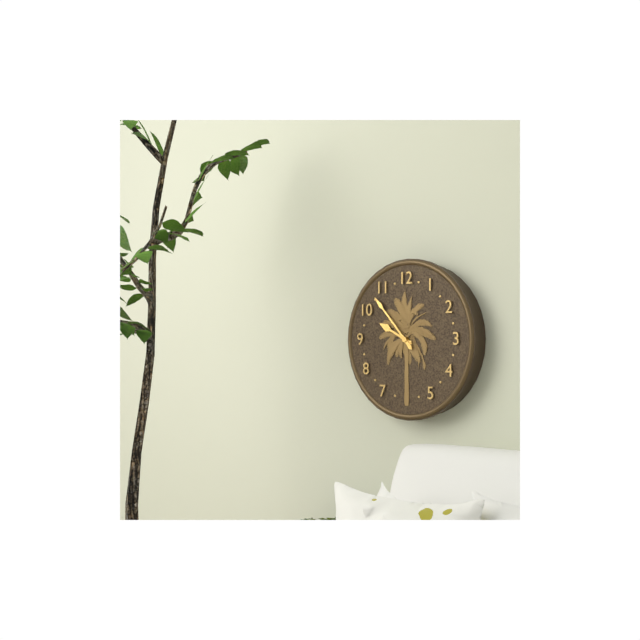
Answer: h=9 m=53
